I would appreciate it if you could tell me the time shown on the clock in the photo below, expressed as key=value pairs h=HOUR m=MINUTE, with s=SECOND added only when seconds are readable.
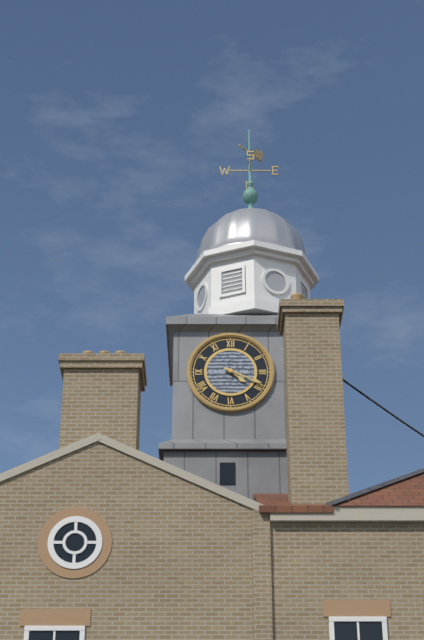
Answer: h=4 m=19
